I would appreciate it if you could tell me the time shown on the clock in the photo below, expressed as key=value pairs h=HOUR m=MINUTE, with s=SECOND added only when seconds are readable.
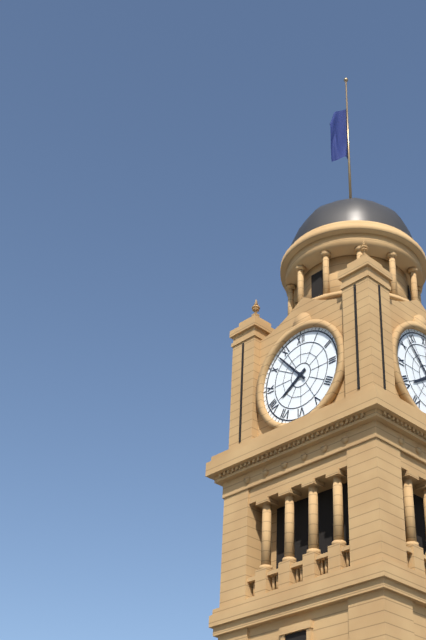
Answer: h=7 m=53
